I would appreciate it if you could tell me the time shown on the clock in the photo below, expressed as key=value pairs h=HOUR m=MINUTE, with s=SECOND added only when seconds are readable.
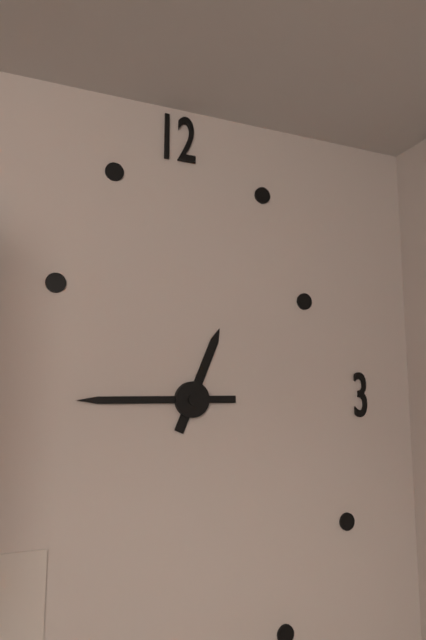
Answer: h=12 m=45
